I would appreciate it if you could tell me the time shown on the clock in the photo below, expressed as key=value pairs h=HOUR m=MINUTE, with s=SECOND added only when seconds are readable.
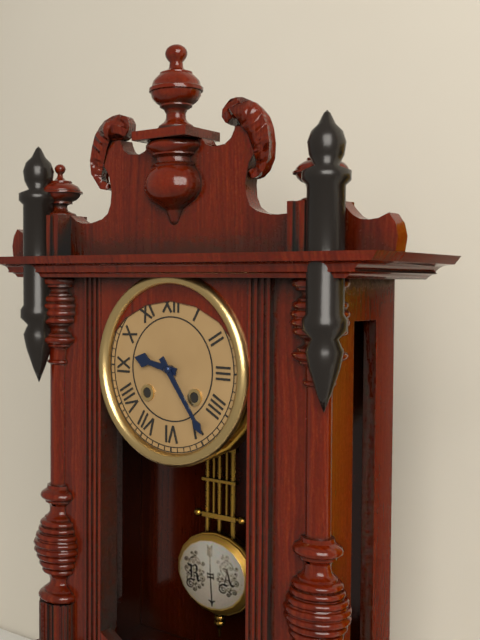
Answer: h=9 m=24
